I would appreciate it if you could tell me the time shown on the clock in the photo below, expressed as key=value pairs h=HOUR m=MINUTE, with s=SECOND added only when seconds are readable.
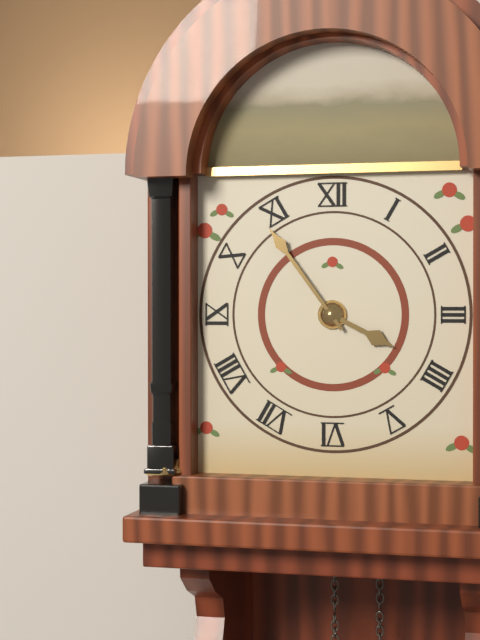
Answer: h=3 m=54
